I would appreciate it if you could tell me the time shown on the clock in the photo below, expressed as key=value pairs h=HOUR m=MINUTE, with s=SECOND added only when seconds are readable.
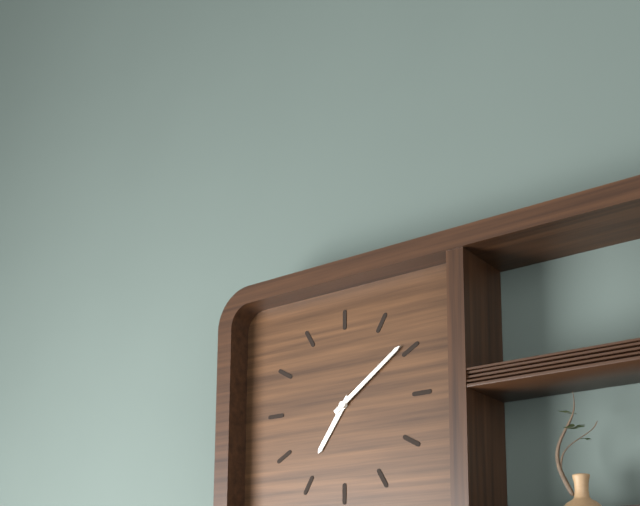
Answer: h=7 m=9
